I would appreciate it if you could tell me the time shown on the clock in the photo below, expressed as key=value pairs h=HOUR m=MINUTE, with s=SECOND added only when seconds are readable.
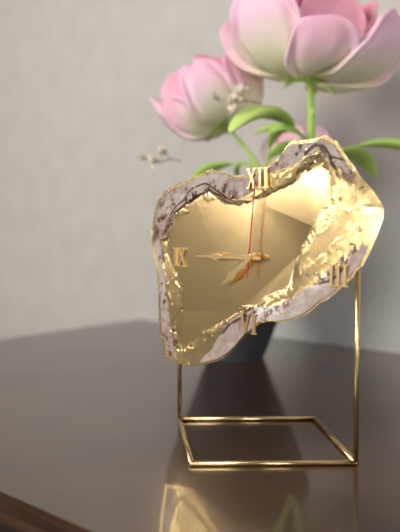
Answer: h=7 m=45 s=1
